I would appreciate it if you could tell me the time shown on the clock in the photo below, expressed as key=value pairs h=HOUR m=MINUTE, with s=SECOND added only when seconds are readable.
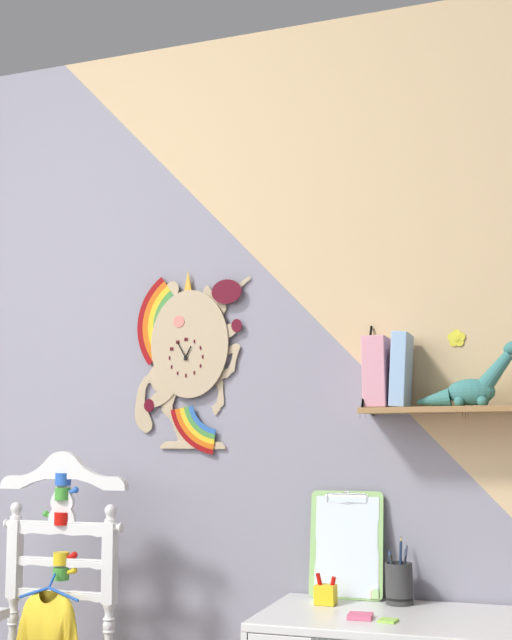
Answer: h=12 m=55
